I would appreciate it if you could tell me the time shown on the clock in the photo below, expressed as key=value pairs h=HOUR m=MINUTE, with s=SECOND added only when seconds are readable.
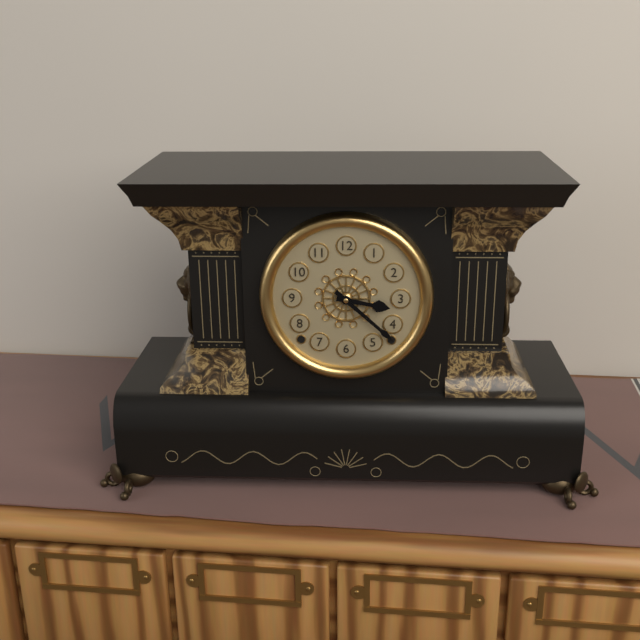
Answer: h=3 m=22
